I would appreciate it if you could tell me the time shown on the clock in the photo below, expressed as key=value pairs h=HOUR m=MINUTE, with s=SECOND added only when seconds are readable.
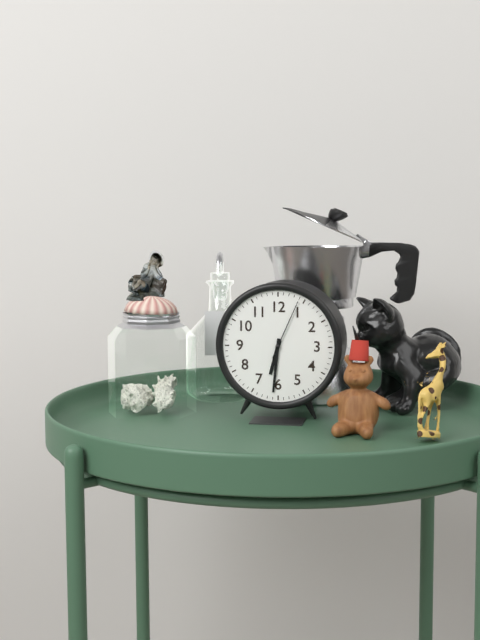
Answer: h=6 m=31 s=4
